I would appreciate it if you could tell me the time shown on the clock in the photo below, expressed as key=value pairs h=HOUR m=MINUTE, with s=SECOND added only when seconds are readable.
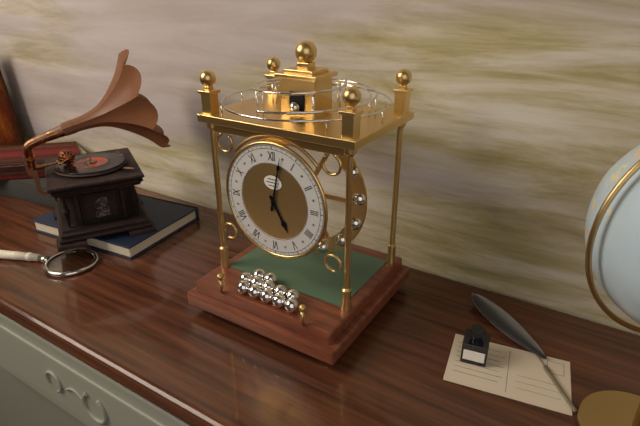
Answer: h=5 m=2
